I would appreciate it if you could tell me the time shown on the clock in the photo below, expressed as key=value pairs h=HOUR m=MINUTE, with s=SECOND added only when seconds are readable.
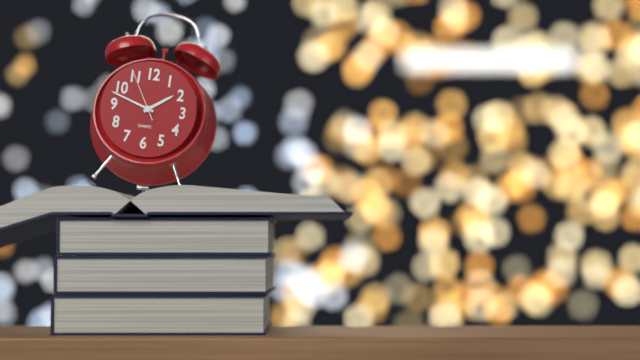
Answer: h=1 m=48 s=55
